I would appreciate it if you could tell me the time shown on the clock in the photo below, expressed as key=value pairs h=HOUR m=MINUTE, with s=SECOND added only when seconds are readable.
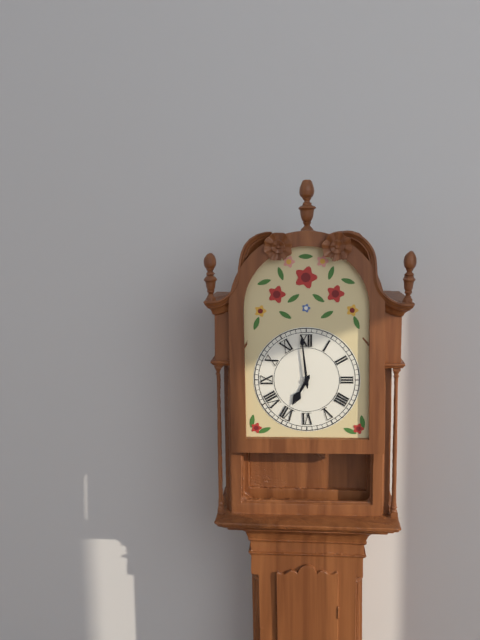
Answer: h=6 m=59
